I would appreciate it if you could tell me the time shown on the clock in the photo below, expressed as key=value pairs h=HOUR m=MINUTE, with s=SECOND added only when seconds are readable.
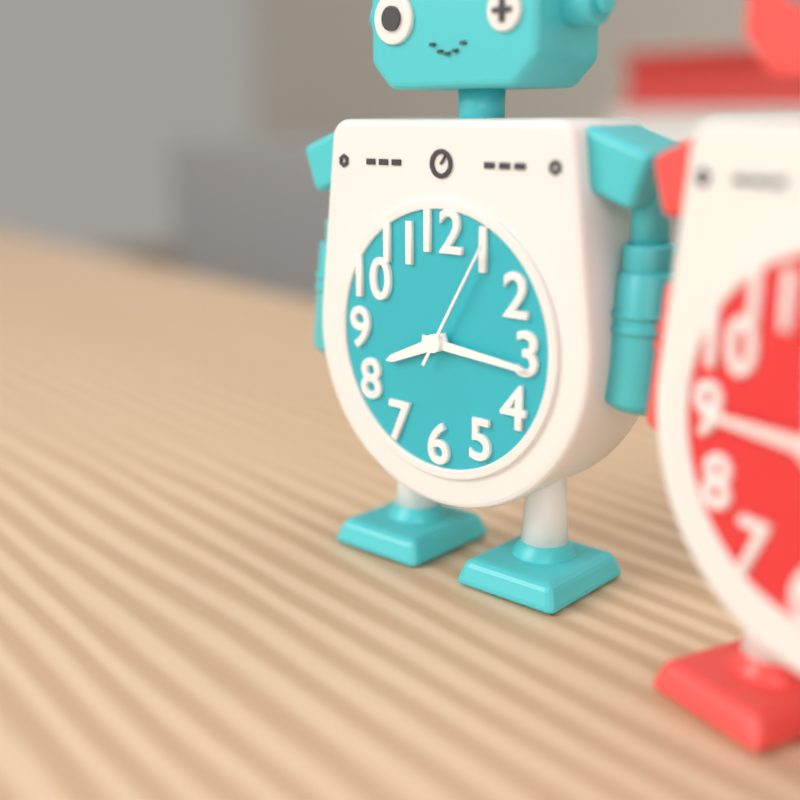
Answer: h=8 m=16 s=5
